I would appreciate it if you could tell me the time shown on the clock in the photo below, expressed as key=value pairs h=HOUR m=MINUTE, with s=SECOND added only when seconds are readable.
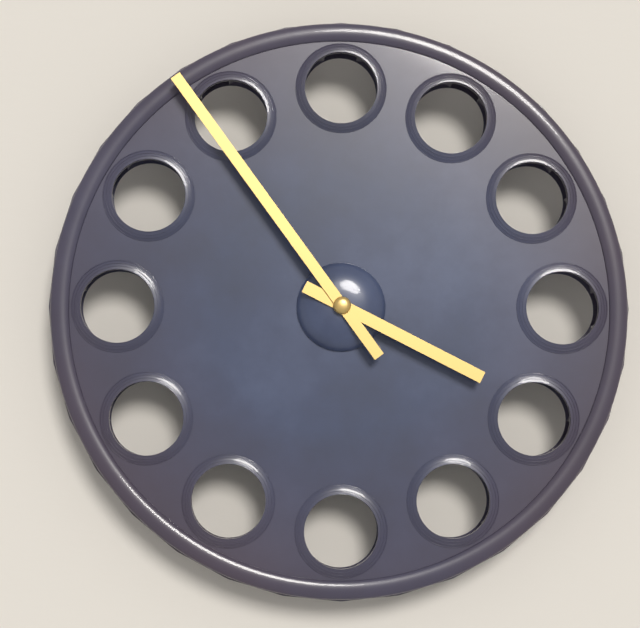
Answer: h=3 m=54
